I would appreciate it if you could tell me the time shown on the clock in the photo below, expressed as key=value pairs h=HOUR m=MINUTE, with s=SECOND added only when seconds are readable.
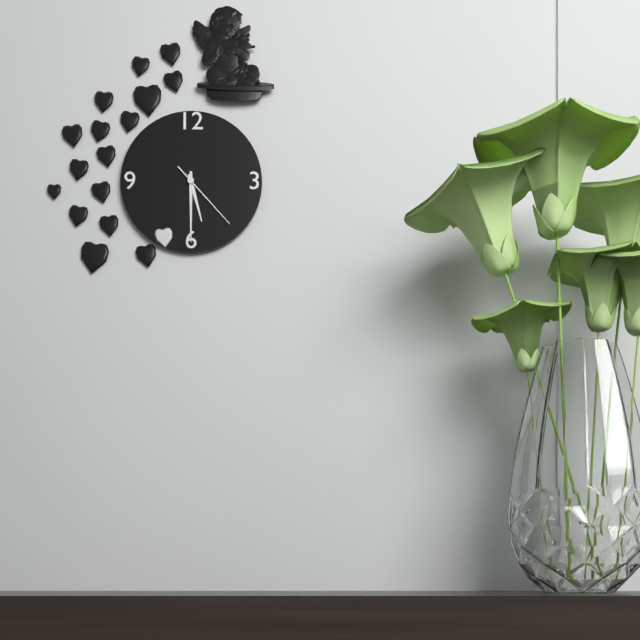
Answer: h=5 m=30 s=23
